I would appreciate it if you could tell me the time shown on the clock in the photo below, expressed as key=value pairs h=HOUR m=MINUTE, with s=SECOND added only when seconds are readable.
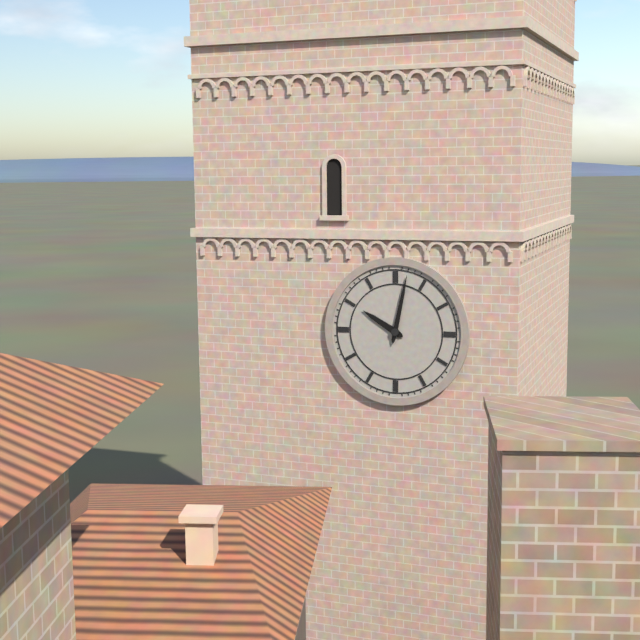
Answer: h=10 m=2
